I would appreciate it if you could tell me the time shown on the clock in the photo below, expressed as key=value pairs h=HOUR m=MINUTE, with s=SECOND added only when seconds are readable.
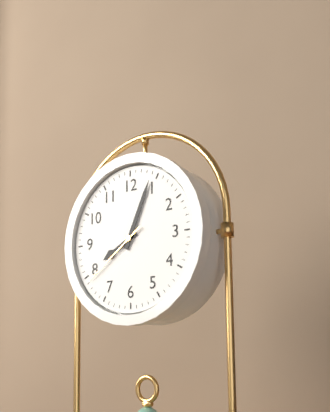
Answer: h=8 m=4 s=39
